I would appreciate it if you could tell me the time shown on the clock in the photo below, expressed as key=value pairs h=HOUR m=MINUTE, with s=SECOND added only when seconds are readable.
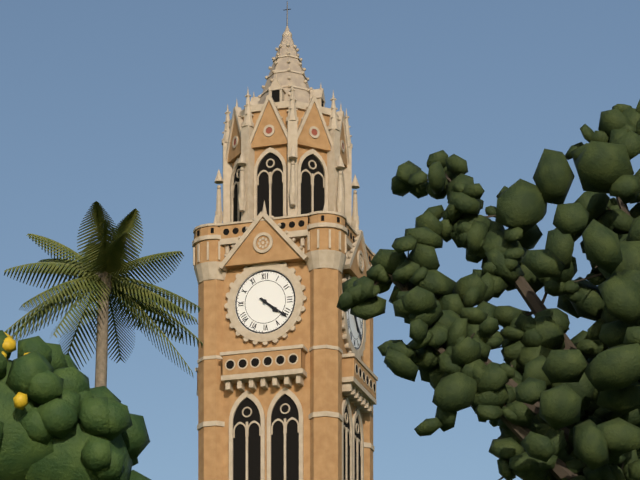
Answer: h=4 m=21
